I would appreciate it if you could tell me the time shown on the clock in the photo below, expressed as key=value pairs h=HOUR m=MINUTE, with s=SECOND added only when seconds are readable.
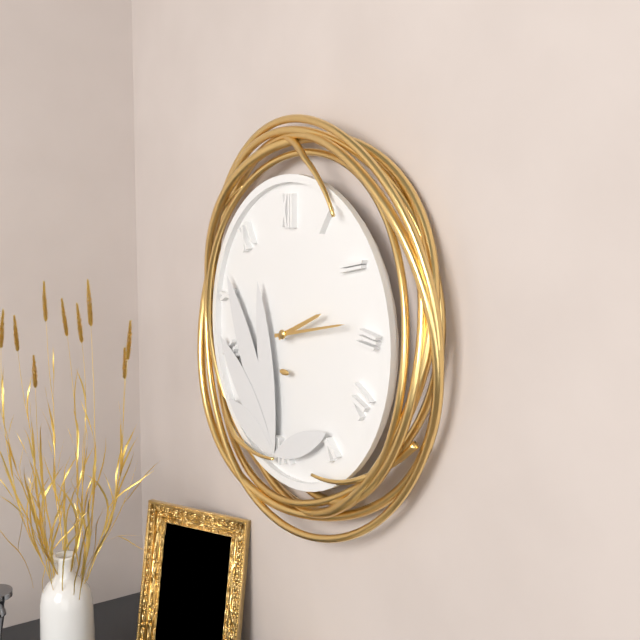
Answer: h=2 m=13
